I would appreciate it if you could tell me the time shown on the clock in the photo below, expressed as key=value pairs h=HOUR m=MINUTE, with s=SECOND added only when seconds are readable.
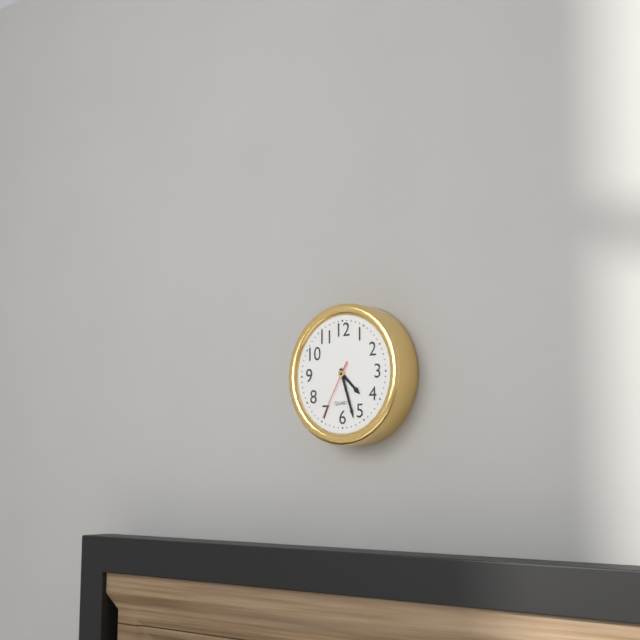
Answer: h=4 m=27 s=35
